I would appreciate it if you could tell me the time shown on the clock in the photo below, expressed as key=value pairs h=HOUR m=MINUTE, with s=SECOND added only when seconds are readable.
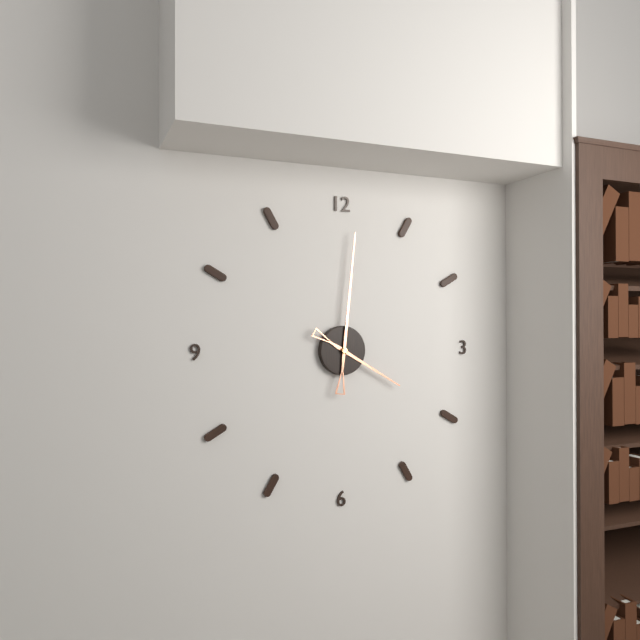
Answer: h=4 m=1
